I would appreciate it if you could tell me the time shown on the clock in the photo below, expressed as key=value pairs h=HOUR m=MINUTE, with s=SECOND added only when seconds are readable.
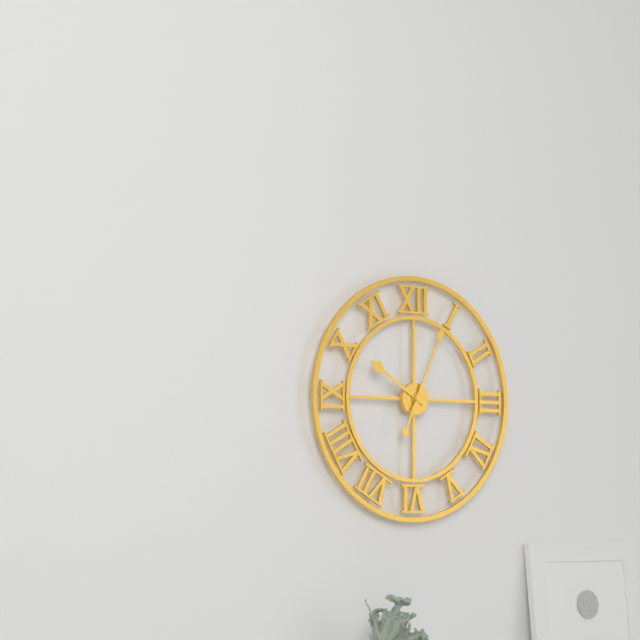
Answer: h=10 m=4
